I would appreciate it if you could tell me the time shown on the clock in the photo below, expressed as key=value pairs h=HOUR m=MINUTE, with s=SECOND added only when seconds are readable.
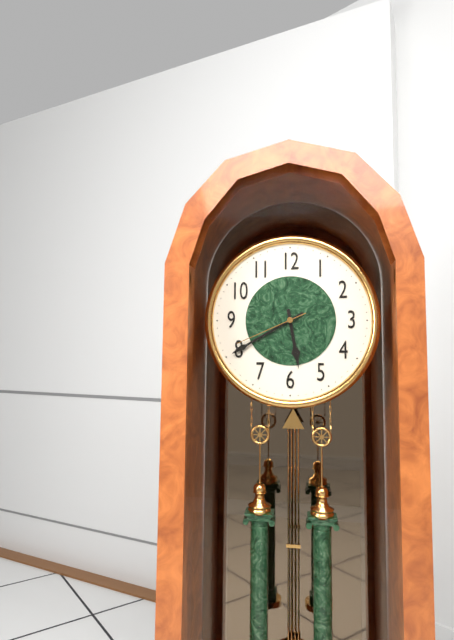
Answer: h=5 m=40 s=41
